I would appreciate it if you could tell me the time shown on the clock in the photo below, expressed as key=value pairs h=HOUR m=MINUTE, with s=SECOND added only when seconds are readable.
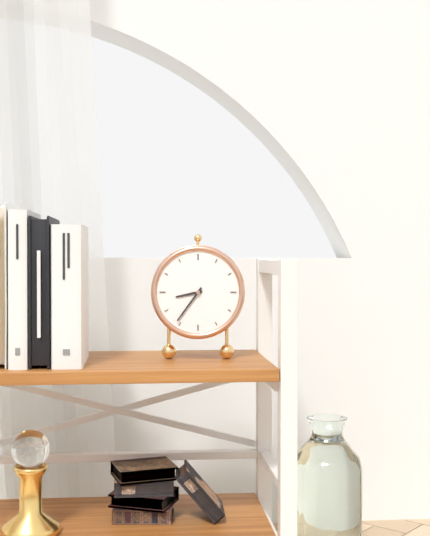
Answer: h=8 m=36
